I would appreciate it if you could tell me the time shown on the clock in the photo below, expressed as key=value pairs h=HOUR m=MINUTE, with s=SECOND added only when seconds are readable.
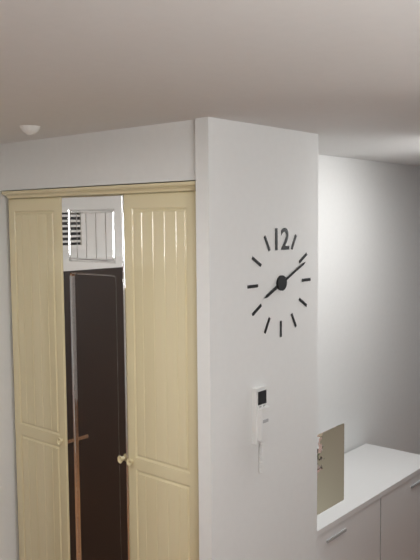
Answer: h=8 m=11
